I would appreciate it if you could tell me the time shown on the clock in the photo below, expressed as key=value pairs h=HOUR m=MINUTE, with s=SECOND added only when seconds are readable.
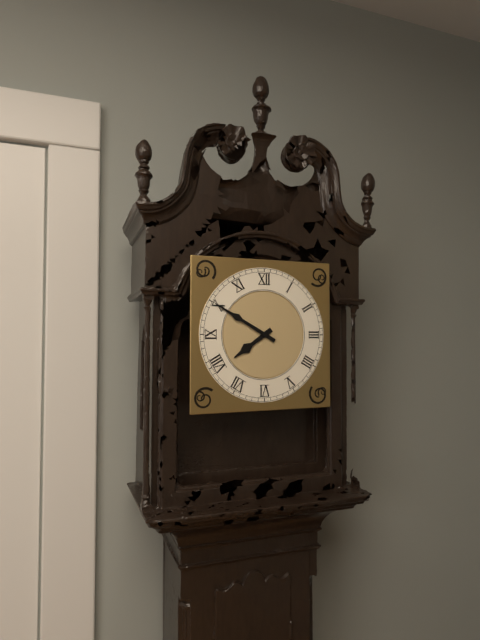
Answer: h=7 m=50
